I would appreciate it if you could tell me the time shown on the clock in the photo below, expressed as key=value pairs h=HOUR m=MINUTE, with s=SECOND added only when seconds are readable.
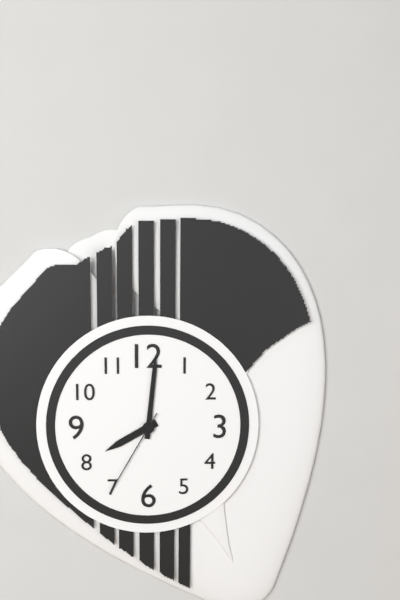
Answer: h=8 m=1 s=35
